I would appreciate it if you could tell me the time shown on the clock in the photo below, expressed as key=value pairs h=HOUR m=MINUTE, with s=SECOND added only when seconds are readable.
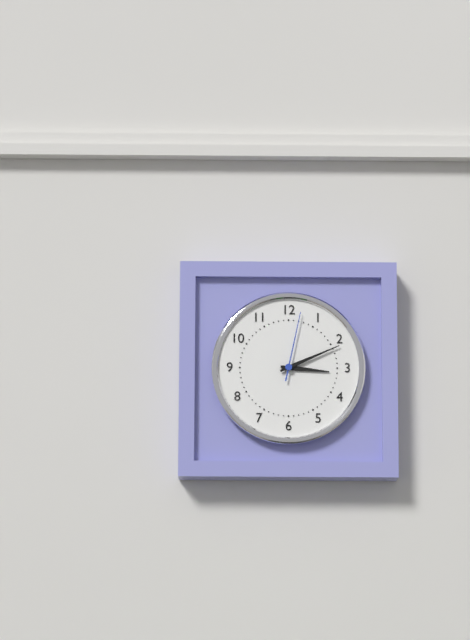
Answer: h=3 m=11 s=2
